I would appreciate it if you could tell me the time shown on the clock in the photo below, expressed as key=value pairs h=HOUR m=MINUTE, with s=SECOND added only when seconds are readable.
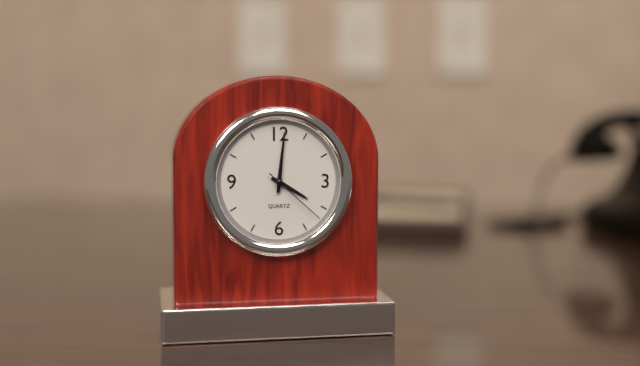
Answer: h=4 m=1 s=22
